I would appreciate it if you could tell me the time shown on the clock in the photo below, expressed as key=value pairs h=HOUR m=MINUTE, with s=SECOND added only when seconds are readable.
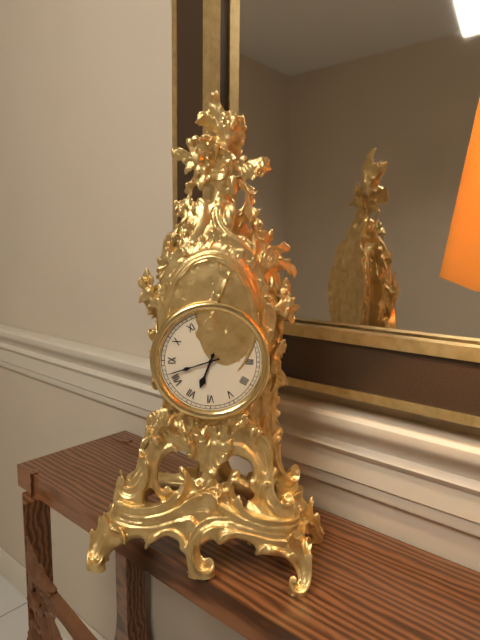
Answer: h=6 m=42
